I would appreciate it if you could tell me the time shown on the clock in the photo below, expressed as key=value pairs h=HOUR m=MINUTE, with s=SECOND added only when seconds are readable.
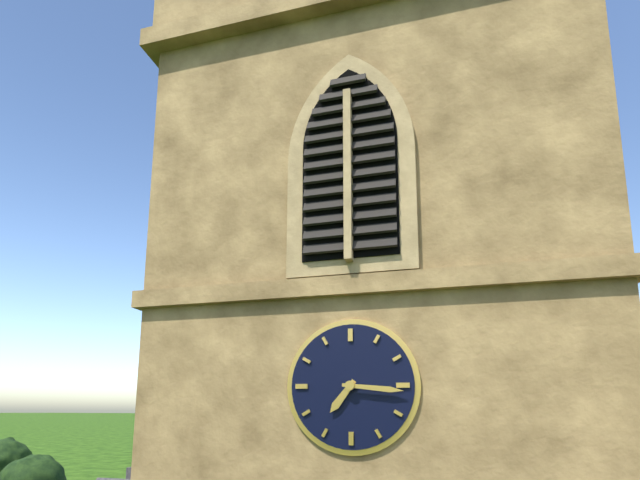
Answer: h=7 m=16
